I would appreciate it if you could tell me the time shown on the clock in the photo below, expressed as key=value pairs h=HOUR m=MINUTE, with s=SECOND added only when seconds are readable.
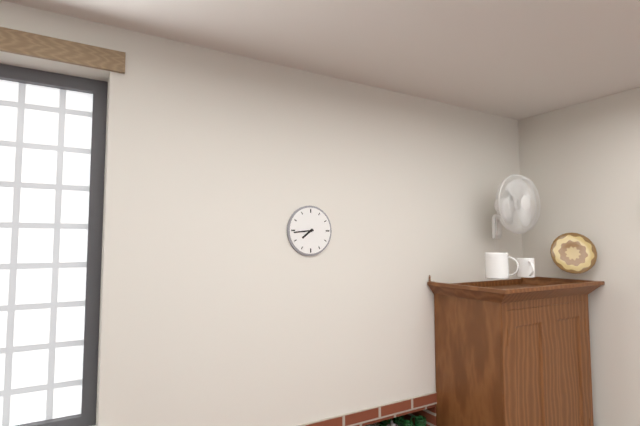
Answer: h=7 m=44
